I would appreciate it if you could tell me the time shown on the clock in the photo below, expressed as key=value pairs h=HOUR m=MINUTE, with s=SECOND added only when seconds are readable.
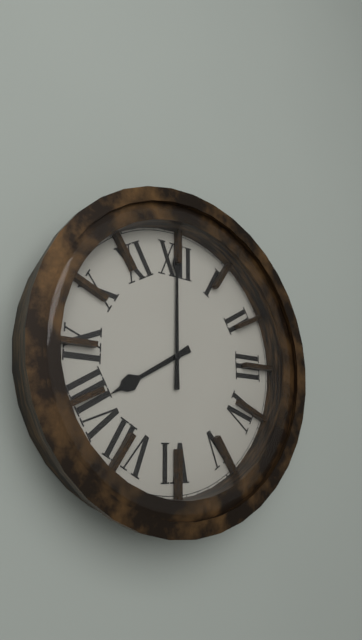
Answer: h=8 m=0
